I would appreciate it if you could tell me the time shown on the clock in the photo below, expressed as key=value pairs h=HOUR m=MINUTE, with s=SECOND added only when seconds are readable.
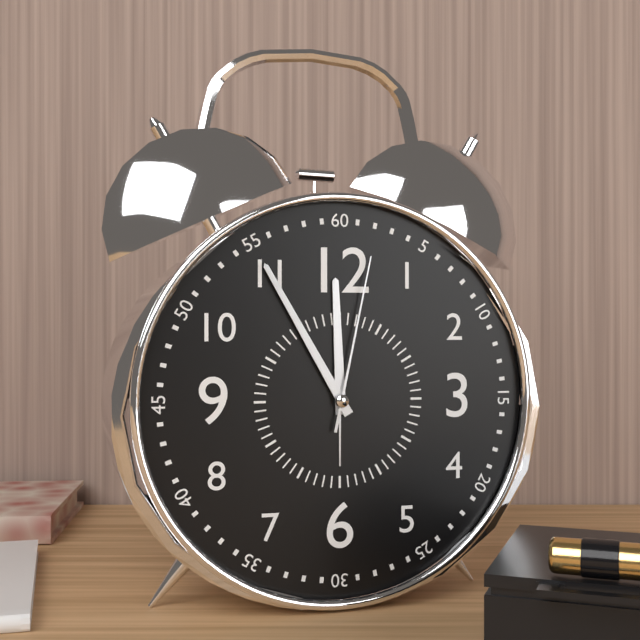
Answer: h=11 m=55 s=2
